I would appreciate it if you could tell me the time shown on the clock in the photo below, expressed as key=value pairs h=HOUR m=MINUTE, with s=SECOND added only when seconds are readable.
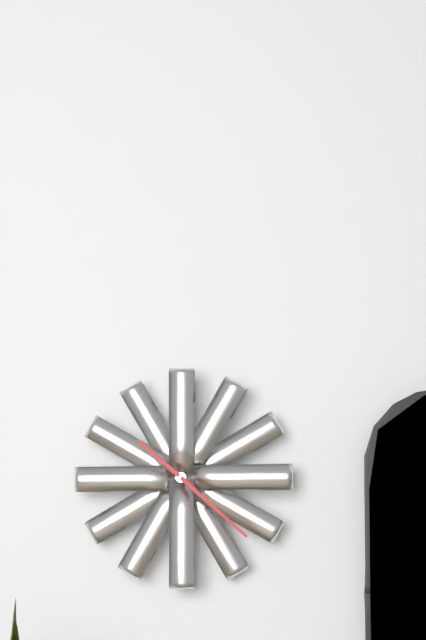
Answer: h=10 m=22
